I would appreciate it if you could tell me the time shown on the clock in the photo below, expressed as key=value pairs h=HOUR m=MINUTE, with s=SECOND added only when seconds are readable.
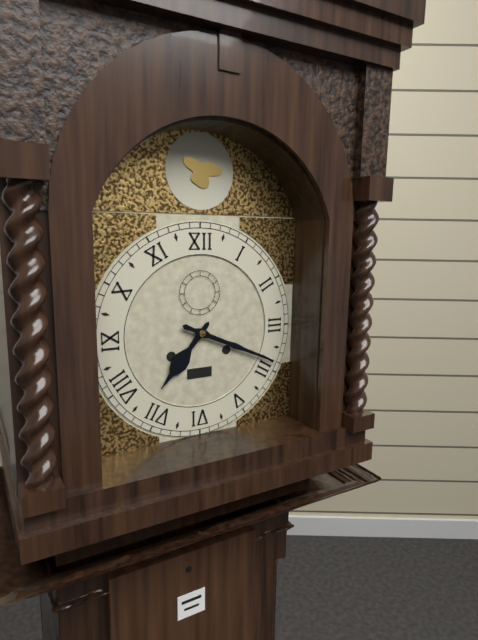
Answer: h=7 m=19
